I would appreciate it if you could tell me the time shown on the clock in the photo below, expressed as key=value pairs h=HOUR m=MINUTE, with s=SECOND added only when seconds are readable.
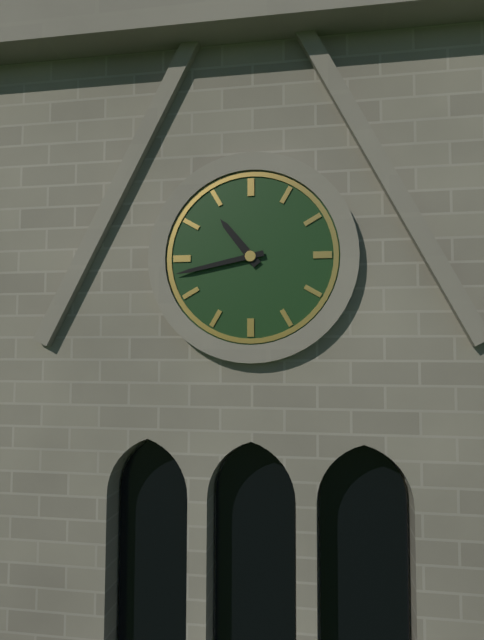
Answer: h=10 m=43
